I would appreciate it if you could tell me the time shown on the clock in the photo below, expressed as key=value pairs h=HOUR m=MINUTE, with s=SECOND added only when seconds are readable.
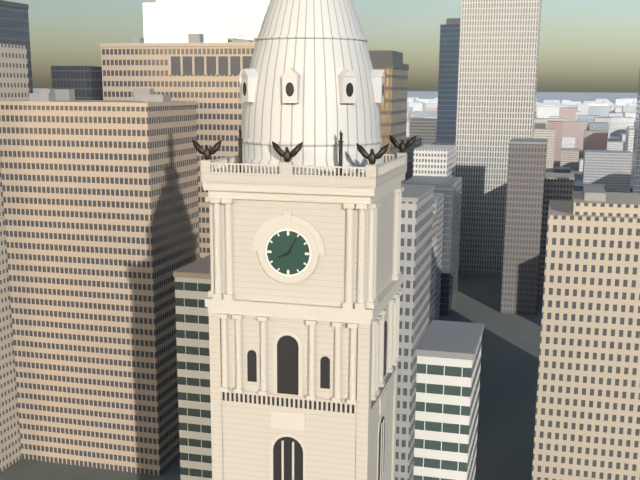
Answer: h=8 m=5
